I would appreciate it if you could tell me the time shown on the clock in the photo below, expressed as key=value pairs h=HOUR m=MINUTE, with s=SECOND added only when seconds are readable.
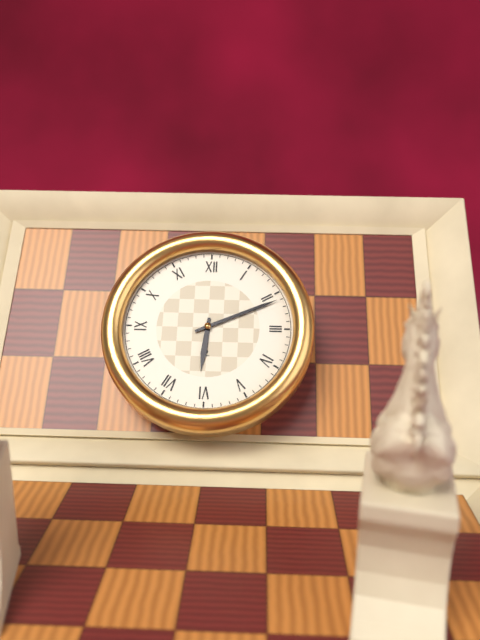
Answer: h=6 m=11
